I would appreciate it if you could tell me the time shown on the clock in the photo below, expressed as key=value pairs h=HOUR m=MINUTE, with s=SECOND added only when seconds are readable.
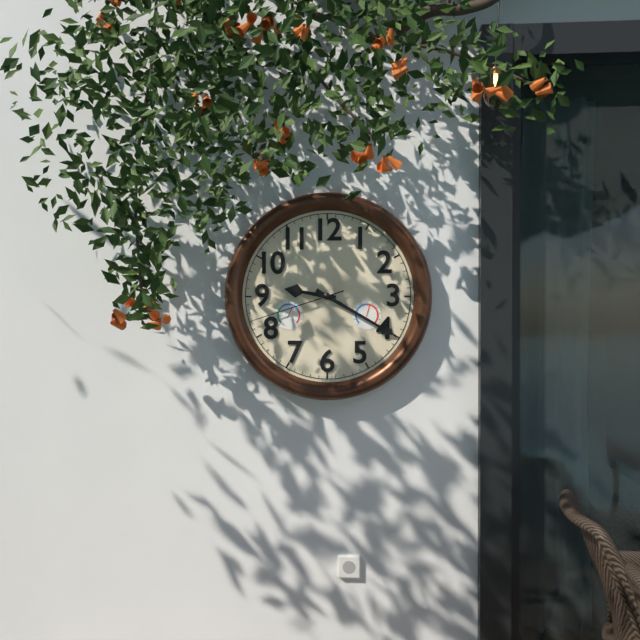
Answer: h=9 m=20 s=42
